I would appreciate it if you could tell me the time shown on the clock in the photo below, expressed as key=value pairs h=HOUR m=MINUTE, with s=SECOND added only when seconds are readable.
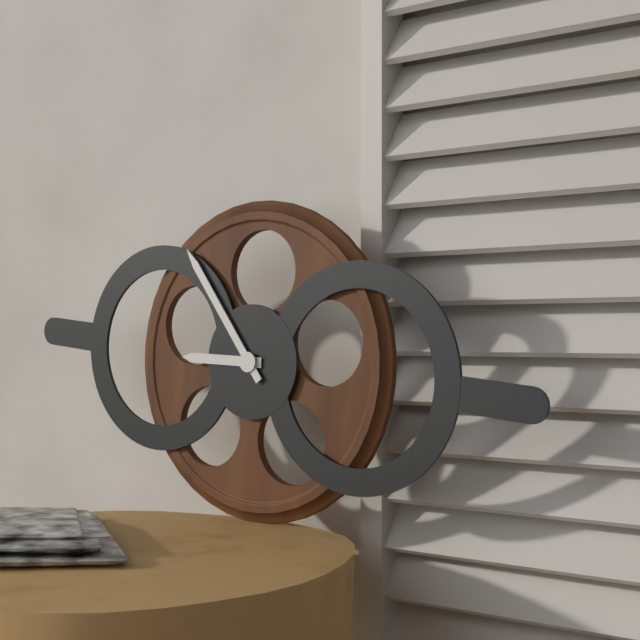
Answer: h=8 m=53
